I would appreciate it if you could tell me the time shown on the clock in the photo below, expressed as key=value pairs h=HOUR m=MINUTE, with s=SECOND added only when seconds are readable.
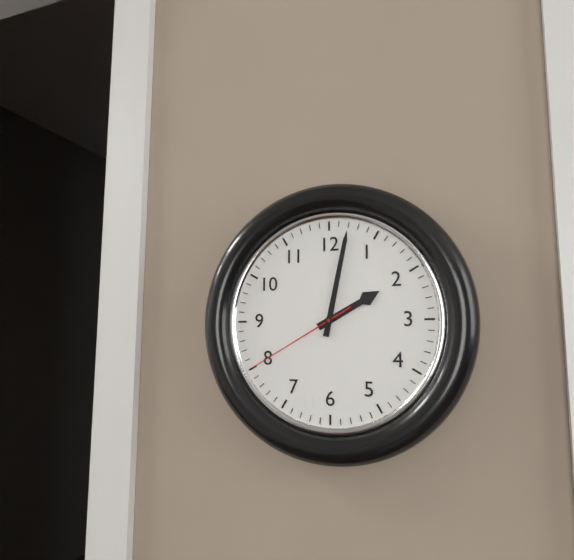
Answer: h=2 m=2 s=40
